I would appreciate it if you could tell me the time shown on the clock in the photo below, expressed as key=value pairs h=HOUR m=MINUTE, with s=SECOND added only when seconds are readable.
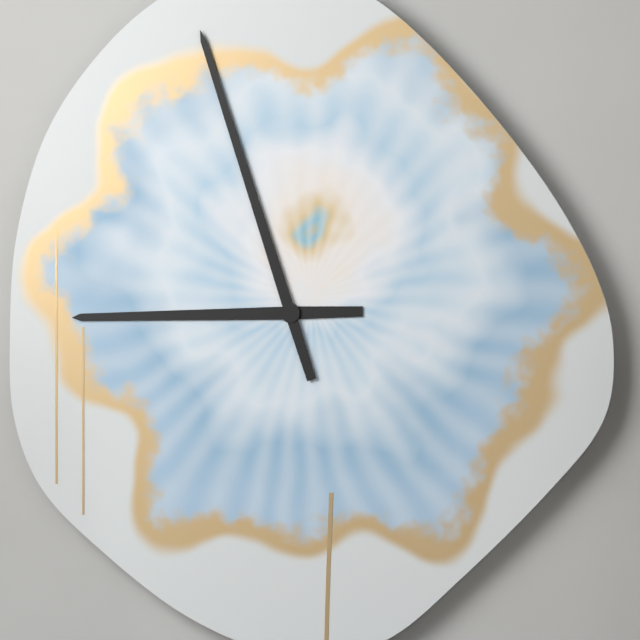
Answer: h=8 m=57
